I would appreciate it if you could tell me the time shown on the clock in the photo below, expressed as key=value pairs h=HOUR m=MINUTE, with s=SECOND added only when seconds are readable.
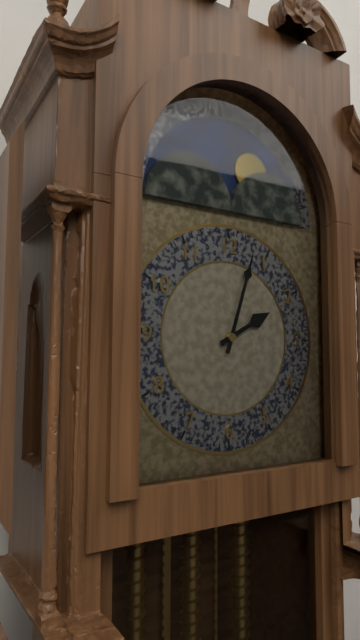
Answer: h=2 m=3
